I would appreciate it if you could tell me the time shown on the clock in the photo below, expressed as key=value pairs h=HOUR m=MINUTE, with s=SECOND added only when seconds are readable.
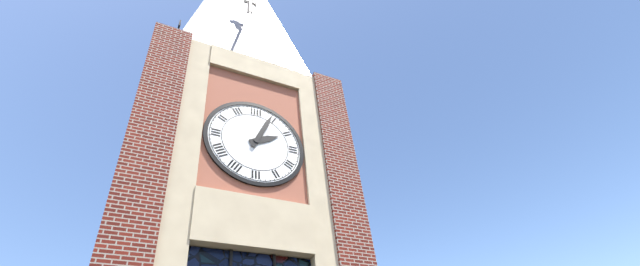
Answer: h=2 m=4
